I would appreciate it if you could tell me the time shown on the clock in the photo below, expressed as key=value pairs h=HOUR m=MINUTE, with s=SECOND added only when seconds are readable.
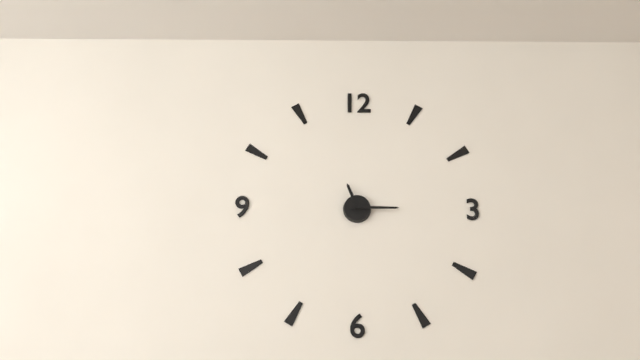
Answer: h=11 m=15
